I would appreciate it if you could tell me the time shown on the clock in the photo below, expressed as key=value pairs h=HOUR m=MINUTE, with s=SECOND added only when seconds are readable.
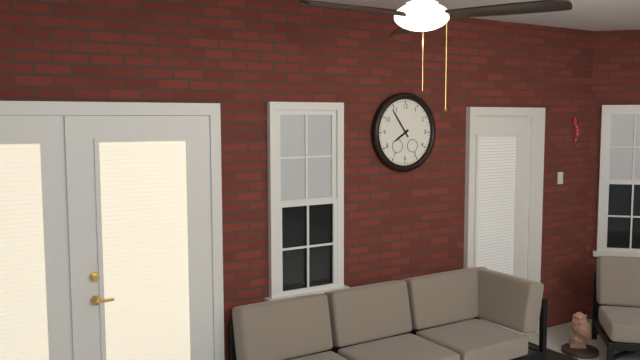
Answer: h=7 m=54
